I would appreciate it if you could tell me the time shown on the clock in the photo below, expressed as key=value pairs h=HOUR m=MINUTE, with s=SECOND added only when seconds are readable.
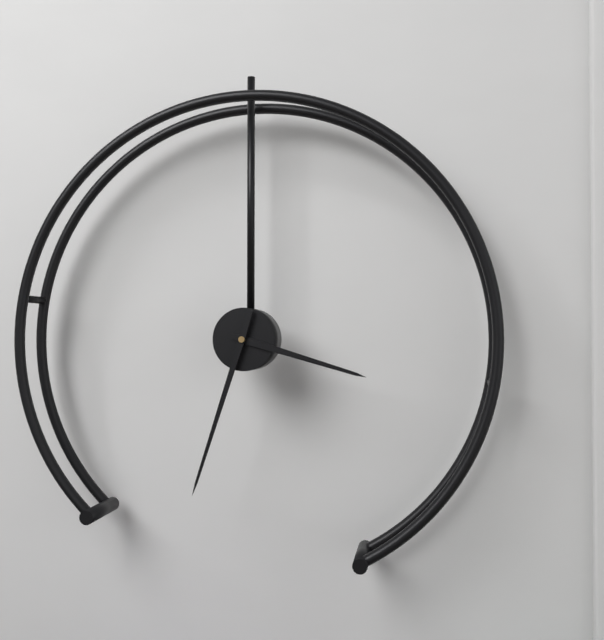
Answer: h=3 m=33
